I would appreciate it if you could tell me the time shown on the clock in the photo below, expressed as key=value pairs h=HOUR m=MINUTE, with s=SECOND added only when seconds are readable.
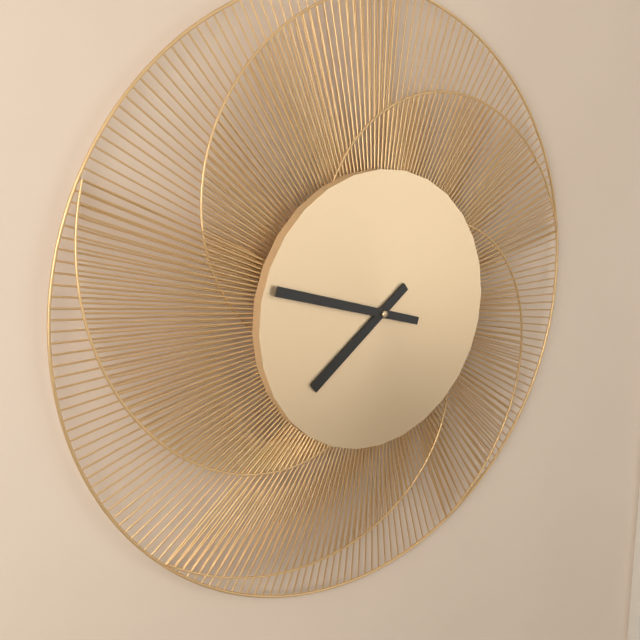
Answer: h=7 m=48
